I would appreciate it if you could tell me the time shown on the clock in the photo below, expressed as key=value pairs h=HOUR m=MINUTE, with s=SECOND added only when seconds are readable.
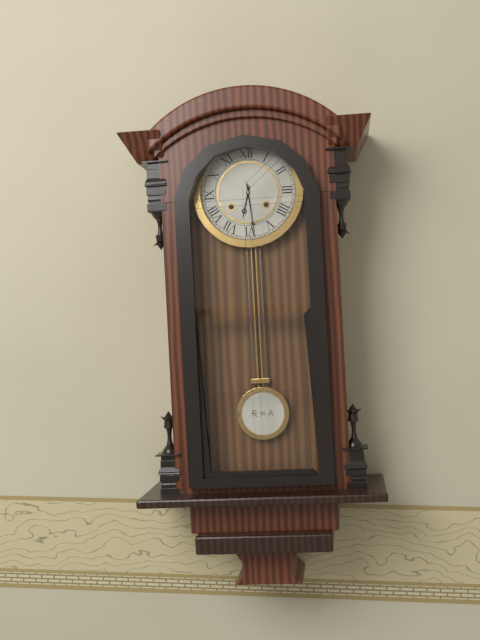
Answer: h=6 m=29
